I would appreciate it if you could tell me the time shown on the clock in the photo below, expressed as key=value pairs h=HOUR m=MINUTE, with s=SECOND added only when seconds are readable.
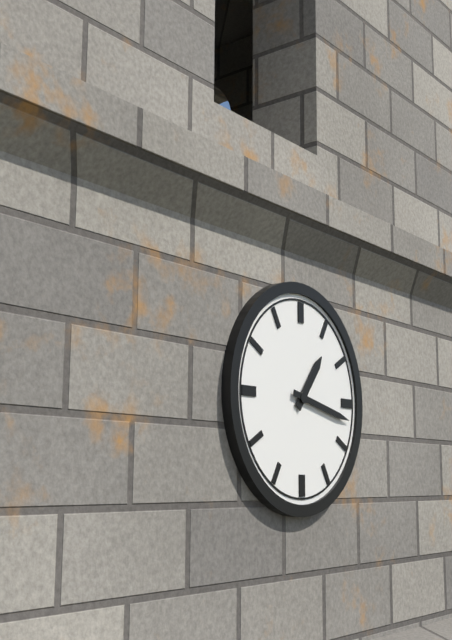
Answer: h=1 m=17
